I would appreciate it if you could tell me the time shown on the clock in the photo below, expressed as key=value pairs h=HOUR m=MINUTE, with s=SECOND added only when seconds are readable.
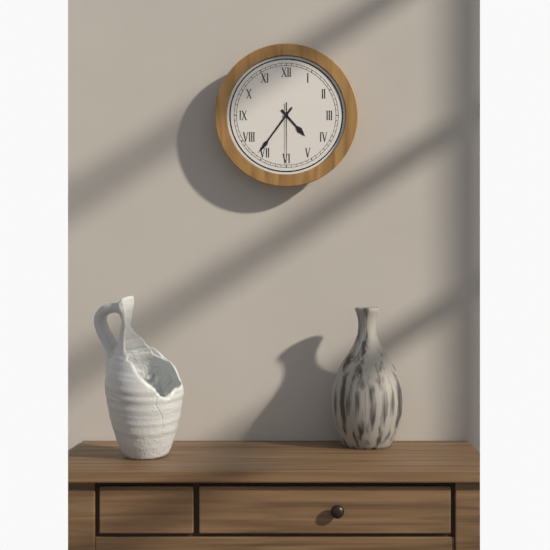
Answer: h=4 m=36 s=30
